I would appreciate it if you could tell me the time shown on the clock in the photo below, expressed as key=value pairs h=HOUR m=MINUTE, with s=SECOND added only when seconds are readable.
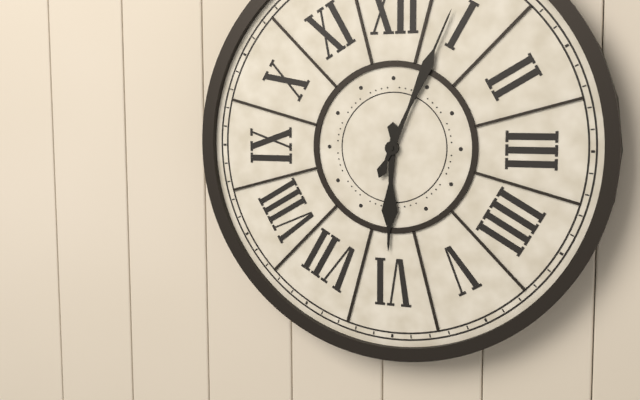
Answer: h=6 m=4
